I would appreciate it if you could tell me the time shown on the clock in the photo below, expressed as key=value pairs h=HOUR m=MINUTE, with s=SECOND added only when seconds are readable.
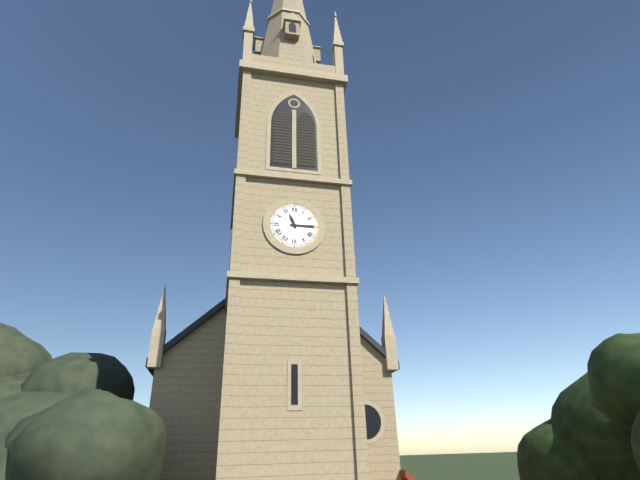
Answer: h=11 m=15
